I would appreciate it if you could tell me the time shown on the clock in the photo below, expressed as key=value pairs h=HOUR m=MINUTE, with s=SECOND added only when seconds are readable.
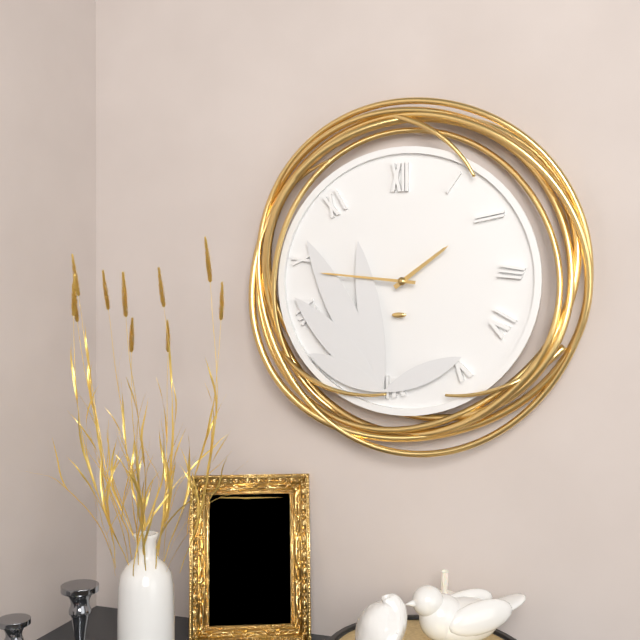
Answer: h=1 m=46
